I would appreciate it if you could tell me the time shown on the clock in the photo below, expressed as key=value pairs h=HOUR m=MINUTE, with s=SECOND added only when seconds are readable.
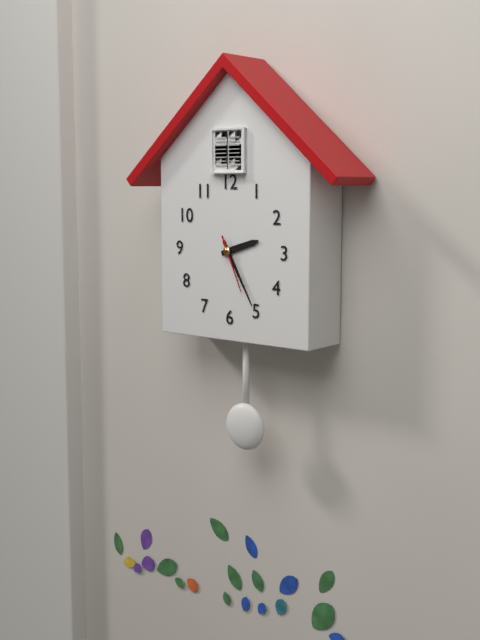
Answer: h=2 m=25 s=26
